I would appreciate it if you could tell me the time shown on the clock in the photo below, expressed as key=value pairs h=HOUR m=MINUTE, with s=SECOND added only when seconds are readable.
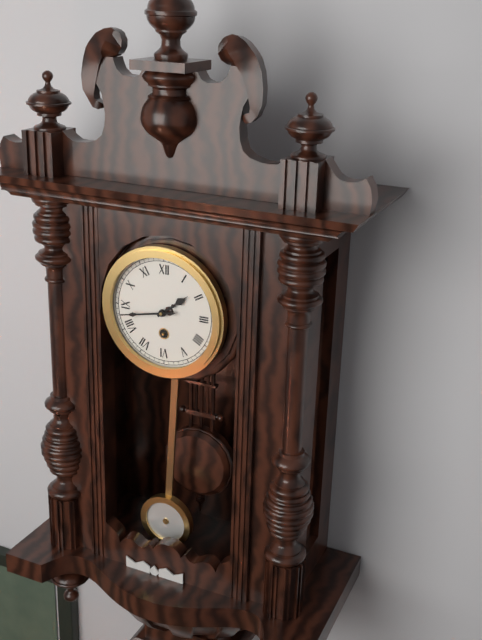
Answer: h=1 m=43
